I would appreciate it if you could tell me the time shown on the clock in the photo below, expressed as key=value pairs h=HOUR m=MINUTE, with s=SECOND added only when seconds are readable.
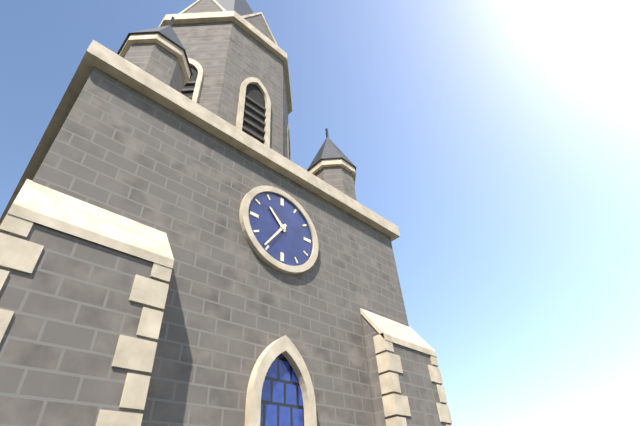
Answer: h=10 m=36
